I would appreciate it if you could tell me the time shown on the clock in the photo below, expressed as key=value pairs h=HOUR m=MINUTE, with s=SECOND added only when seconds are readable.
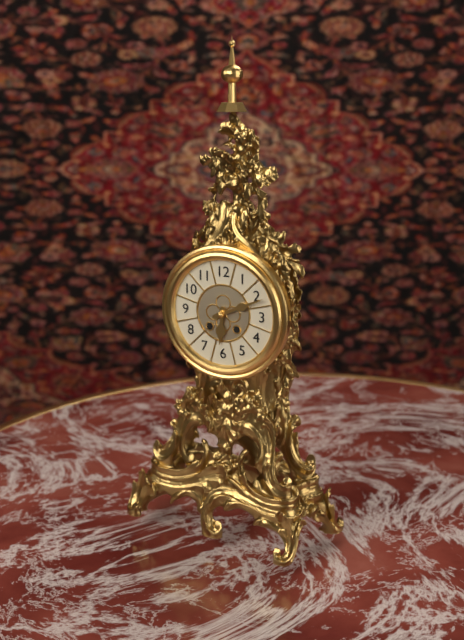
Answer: h=6 m=11
